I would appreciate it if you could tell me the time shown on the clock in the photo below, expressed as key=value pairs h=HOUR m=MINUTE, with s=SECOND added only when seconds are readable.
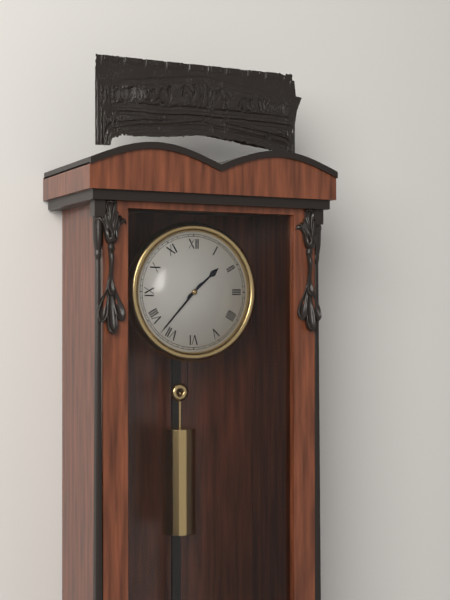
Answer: h=1 m=37
